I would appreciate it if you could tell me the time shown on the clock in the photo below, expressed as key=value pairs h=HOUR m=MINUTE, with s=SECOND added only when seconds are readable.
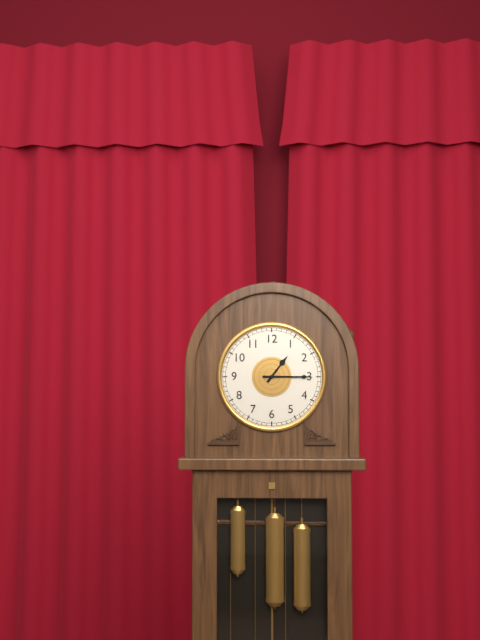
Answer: h=1 m=15
